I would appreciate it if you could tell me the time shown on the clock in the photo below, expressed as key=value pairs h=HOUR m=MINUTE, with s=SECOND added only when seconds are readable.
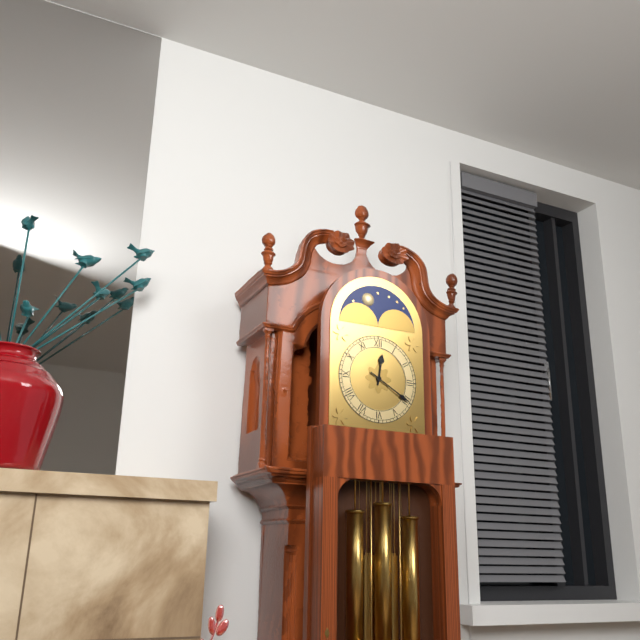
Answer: h=12 m=20
